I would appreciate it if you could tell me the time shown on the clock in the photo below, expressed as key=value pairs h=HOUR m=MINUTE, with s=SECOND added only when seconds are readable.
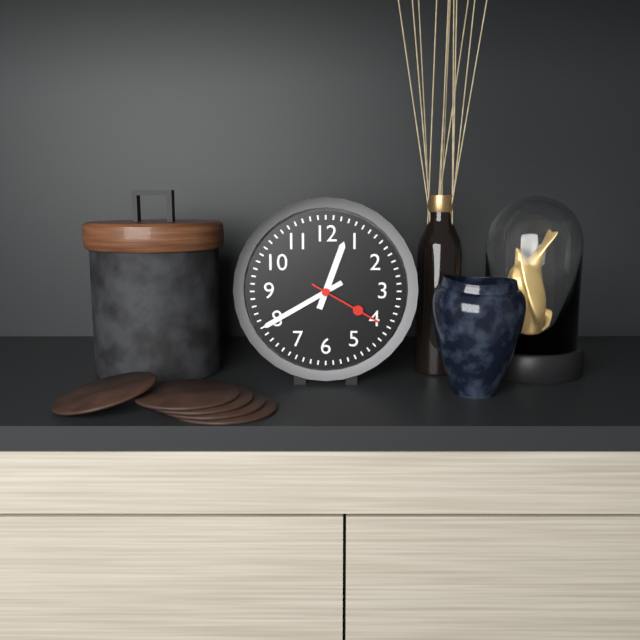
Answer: h=12 m=40 s=20
